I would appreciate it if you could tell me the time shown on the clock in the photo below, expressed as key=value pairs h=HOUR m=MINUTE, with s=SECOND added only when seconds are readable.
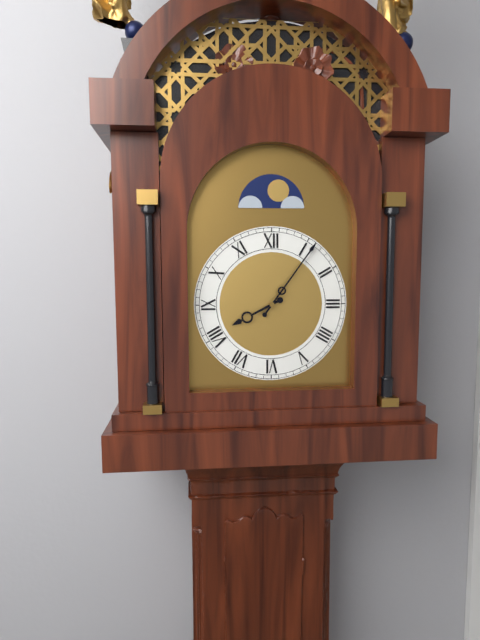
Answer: h=8 m=6
